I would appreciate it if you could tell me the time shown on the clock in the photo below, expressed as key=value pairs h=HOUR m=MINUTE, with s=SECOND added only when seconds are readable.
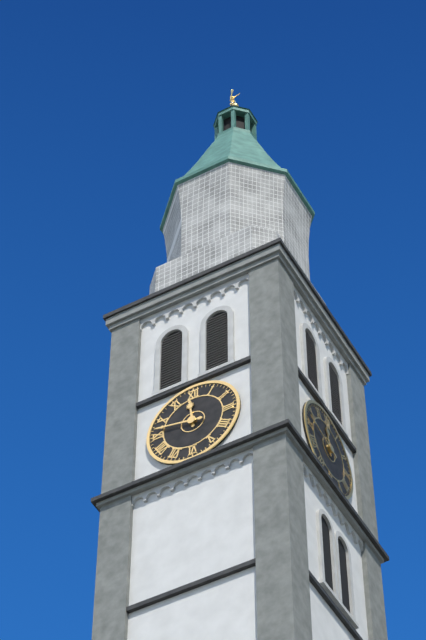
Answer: h=11 m=47
